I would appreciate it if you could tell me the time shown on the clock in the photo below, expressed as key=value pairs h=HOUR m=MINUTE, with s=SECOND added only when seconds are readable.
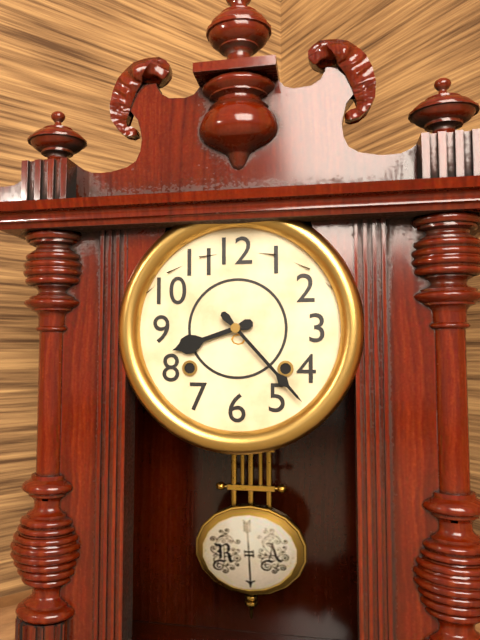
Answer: h=8 m=23
